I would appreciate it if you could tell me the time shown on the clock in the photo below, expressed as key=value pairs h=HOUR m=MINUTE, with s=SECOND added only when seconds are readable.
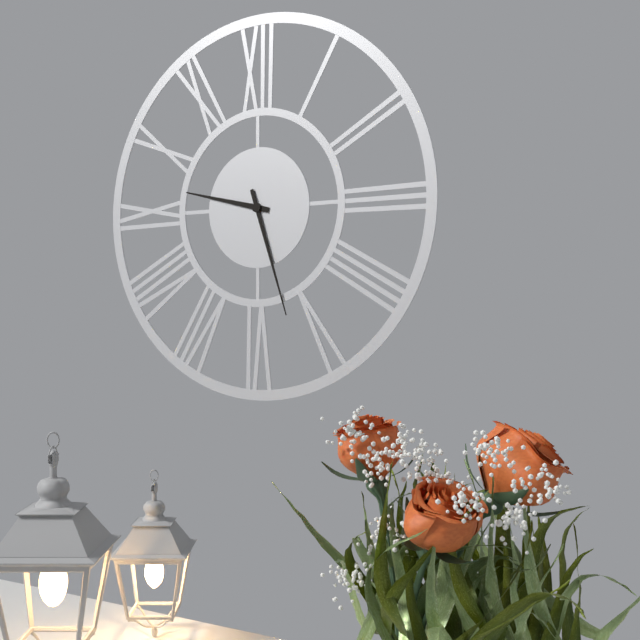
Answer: h=9 m=27
